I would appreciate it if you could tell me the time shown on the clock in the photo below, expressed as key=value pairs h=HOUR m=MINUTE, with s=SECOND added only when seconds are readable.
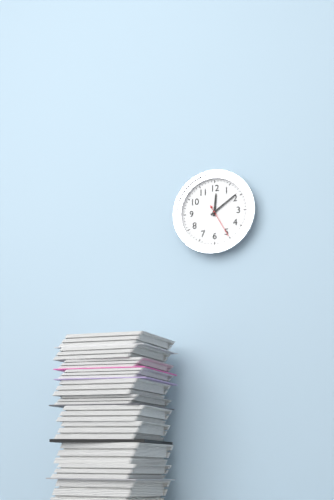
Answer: h=12 m=9
